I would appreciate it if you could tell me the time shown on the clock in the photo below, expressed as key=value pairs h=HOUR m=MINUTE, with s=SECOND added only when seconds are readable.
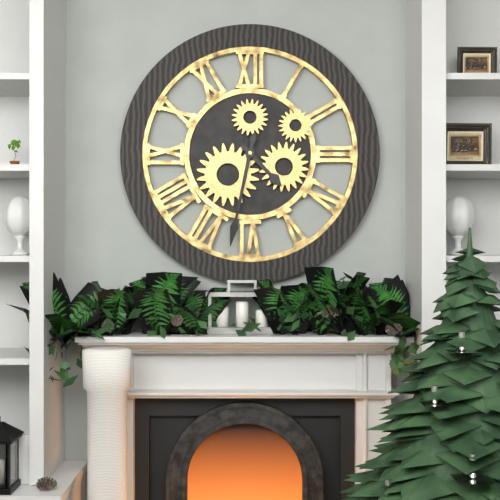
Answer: h=4 m=32
